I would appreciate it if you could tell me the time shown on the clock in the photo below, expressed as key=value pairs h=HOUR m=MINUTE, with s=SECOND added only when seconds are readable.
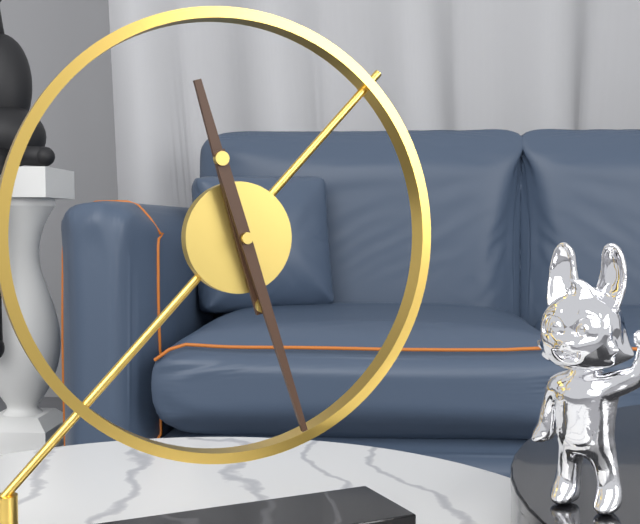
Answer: h=11 m=27
